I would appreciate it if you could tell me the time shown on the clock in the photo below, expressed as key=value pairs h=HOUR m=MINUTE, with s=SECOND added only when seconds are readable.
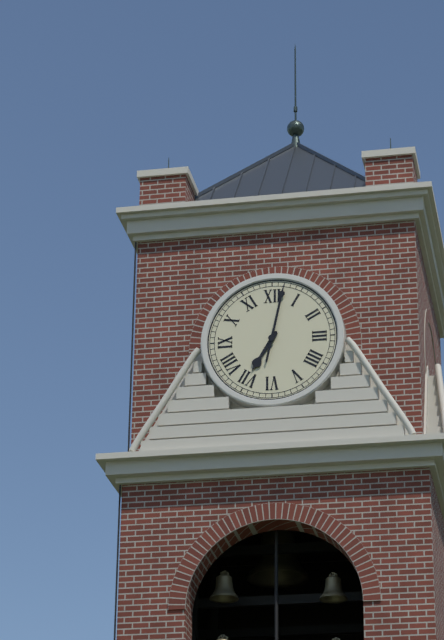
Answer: h=7 m=2
